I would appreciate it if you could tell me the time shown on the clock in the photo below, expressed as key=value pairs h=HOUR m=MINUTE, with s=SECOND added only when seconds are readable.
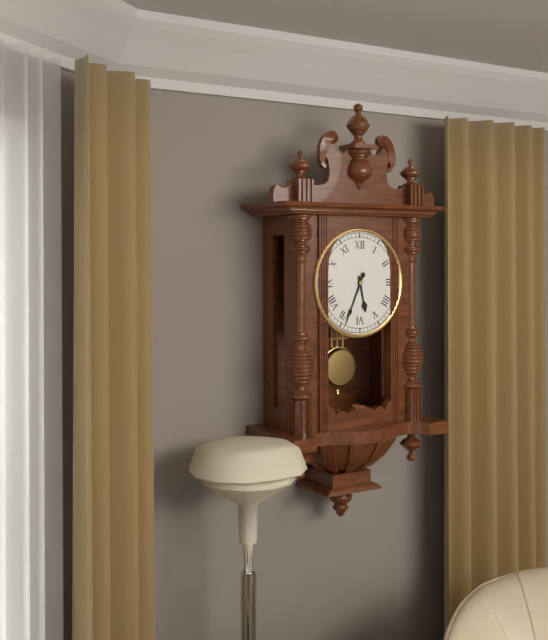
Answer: h=5 m=34
